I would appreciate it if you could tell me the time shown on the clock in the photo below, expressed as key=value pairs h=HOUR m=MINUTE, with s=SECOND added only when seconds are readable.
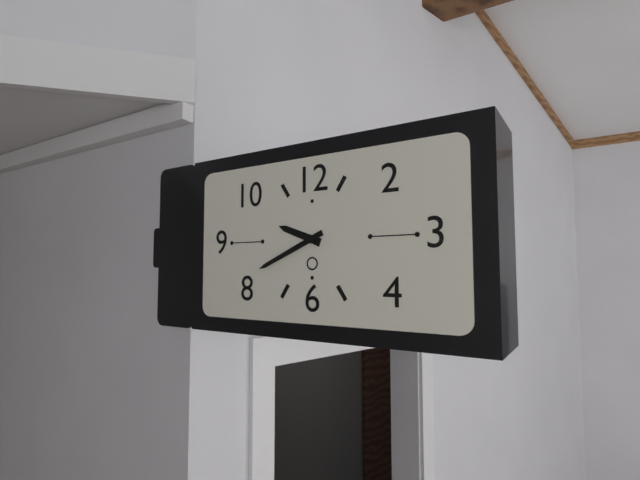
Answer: h=9 m=41
